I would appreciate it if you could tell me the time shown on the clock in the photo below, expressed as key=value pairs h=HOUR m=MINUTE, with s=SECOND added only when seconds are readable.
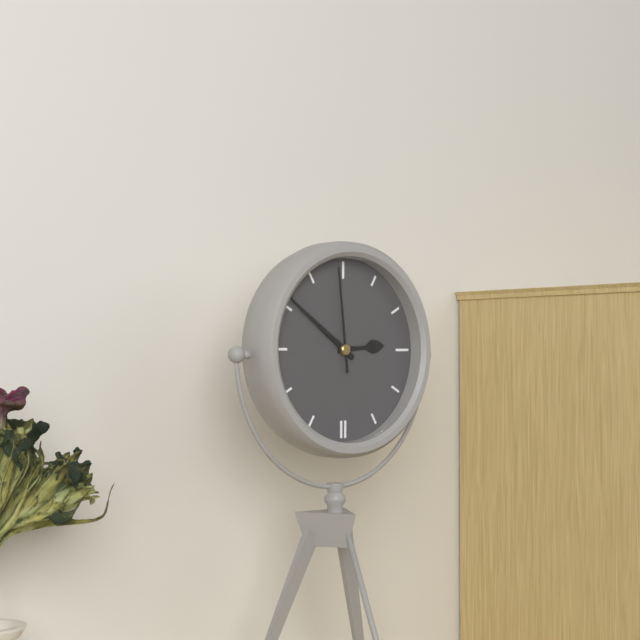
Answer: h=2 m=51 s=59
